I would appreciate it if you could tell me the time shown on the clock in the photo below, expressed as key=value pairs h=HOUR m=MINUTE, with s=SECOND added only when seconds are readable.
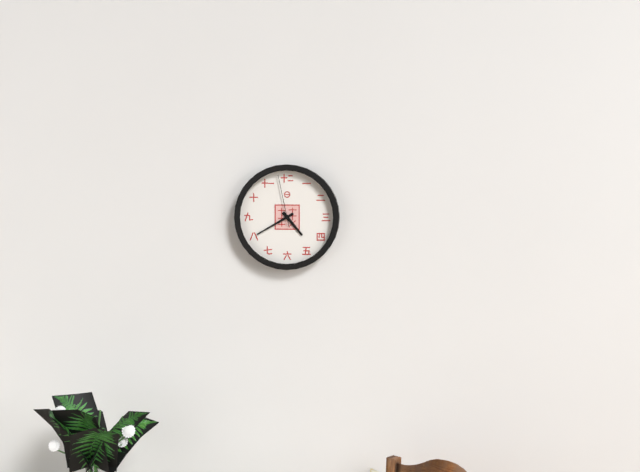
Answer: h=4 m=40 s=58
